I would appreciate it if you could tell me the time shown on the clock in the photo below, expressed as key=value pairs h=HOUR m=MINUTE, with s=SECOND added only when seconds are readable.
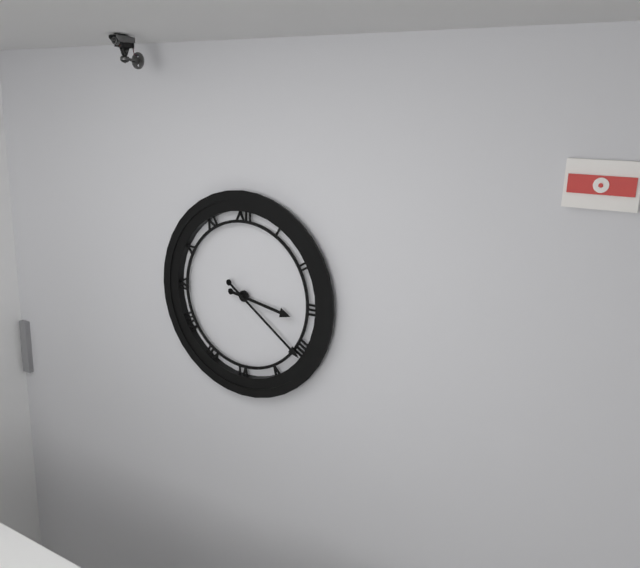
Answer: h=3 m=21
